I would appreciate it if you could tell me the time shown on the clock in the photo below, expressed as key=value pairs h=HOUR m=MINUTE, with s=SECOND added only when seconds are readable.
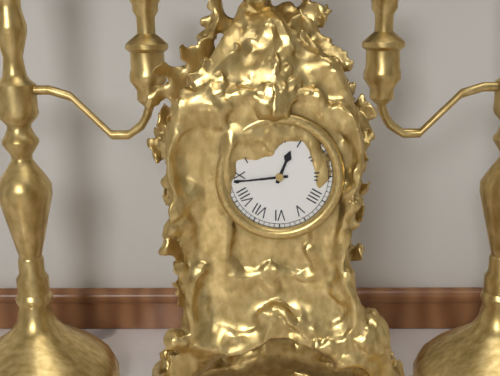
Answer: h=12 m=44
